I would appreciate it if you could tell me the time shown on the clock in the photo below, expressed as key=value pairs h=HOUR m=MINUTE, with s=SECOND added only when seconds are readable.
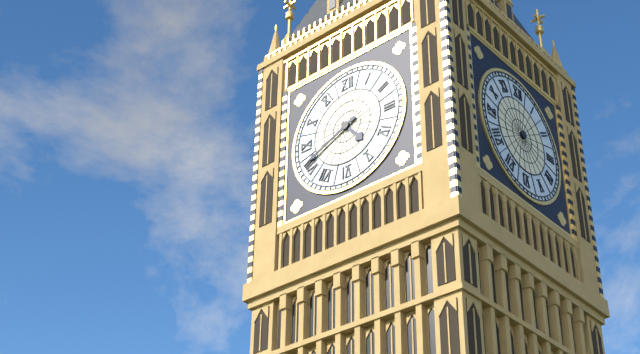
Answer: h=4 m=41
